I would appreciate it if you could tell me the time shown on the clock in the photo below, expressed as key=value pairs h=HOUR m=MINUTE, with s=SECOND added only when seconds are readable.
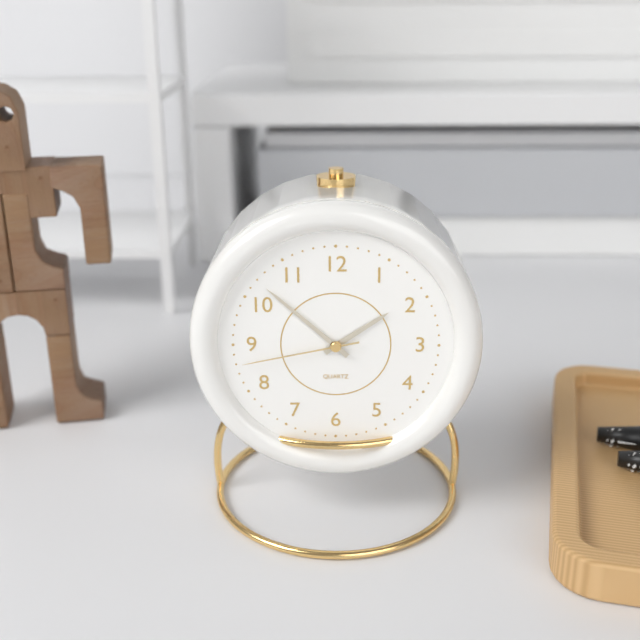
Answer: h=1 m=52 s=43
